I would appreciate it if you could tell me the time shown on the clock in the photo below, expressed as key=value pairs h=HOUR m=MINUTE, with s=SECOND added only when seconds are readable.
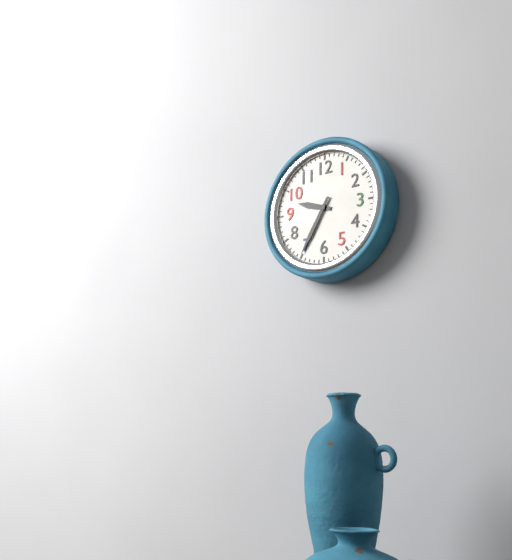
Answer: h=9 m=35
